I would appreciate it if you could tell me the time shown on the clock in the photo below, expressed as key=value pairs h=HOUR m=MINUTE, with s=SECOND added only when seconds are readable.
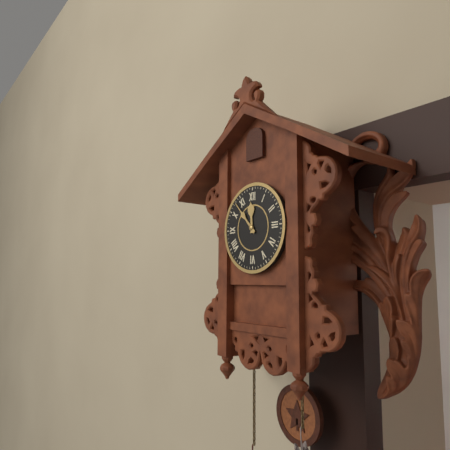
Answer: h=11 m=53
